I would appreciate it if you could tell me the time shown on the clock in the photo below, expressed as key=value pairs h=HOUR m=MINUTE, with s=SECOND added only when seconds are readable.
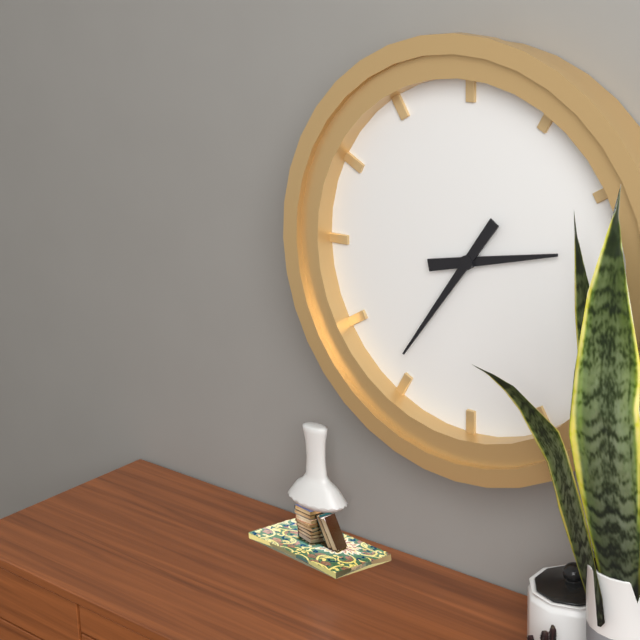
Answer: h=2 m=36
